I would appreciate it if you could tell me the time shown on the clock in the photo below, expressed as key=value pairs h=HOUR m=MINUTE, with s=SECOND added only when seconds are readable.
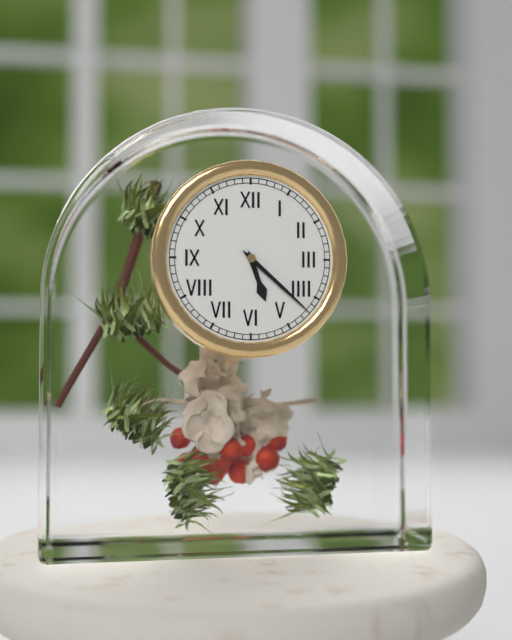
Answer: h=5 m=22
